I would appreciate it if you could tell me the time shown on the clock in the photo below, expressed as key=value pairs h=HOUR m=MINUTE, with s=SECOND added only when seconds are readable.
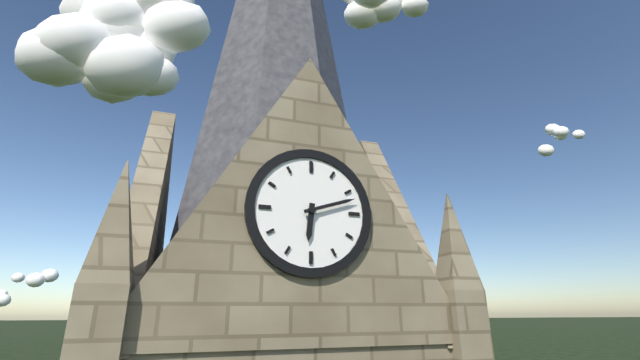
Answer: h=6 m=12
